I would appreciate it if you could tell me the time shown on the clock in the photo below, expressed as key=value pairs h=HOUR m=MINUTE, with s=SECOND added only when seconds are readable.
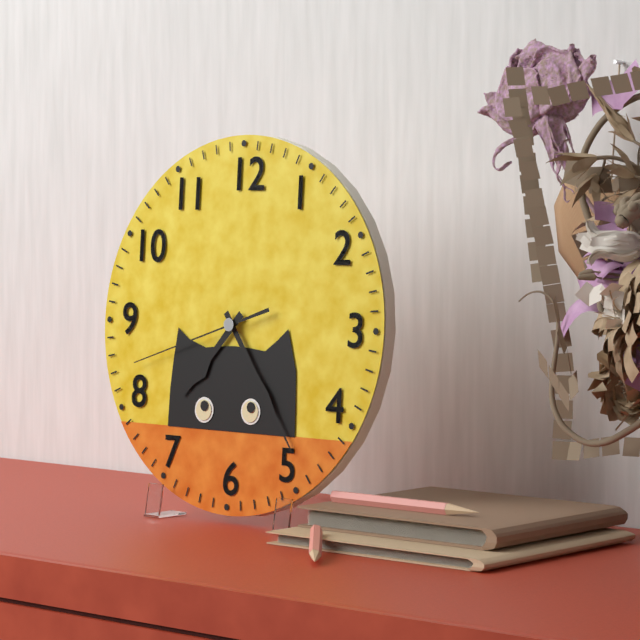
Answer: h=7 m=24 s=42
